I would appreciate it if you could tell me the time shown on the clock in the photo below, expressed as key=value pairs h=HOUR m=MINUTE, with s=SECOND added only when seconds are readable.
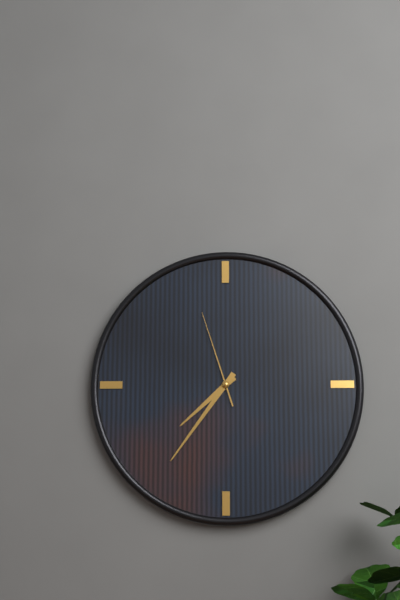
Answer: h=7 m=36 s=57
